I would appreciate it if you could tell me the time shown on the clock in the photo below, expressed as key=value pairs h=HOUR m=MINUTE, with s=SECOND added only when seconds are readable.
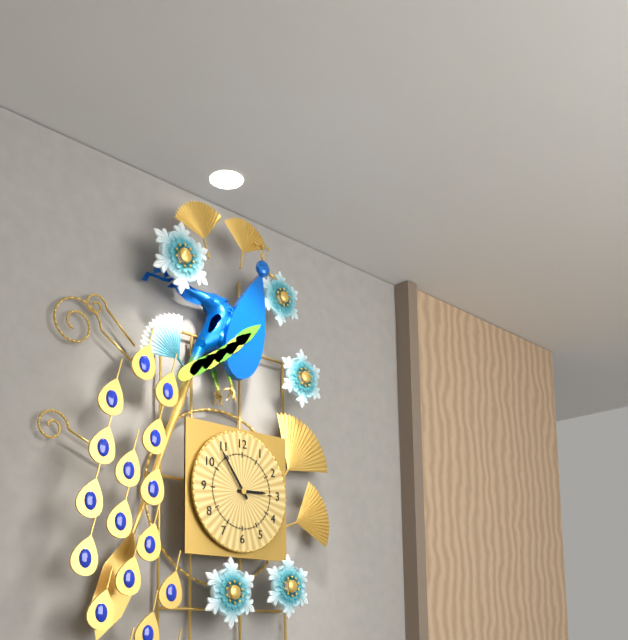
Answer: h=2 m=54
